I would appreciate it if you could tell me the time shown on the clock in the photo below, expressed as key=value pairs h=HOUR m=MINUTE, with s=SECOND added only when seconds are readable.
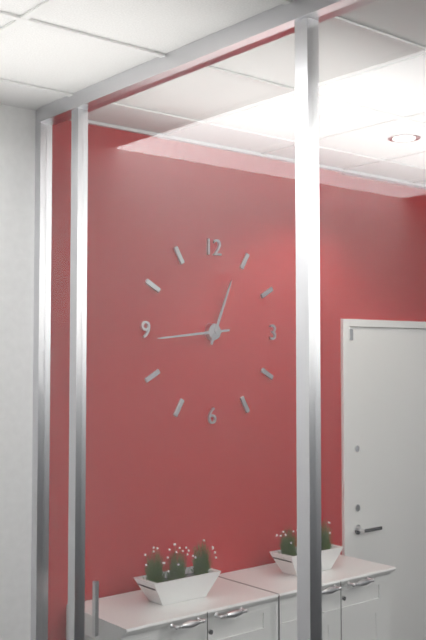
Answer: h=12 m=44
